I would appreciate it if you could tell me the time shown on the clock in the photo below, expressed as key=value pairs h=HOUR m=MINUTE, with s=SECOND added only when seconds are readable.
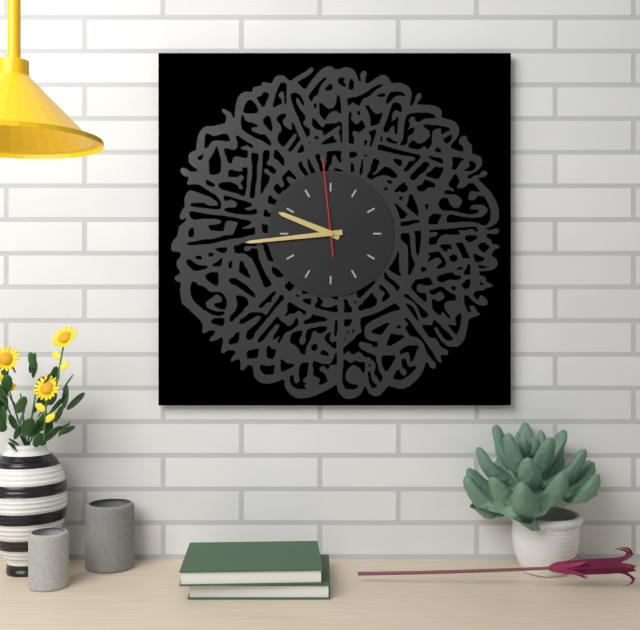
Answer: h=9 m=44 s=59
